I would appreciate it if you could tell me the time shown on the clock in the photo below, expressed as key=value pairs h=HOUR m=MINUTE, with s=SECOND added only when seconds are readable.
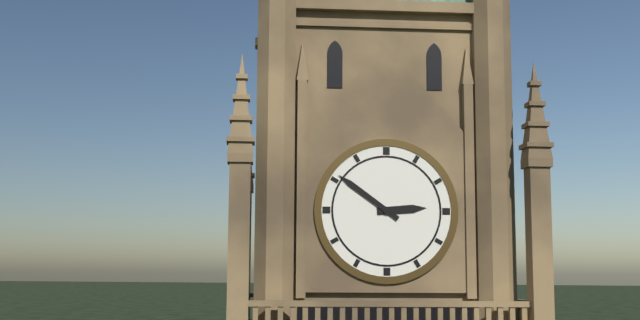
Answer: h=2 m=51
